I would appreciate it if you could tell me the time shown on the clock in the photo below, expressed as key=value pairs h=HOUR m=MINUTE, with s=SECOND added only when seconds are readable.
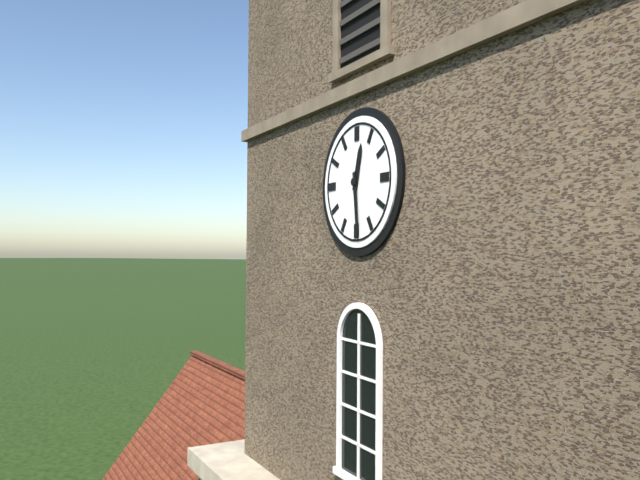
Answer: h=12 m=29
